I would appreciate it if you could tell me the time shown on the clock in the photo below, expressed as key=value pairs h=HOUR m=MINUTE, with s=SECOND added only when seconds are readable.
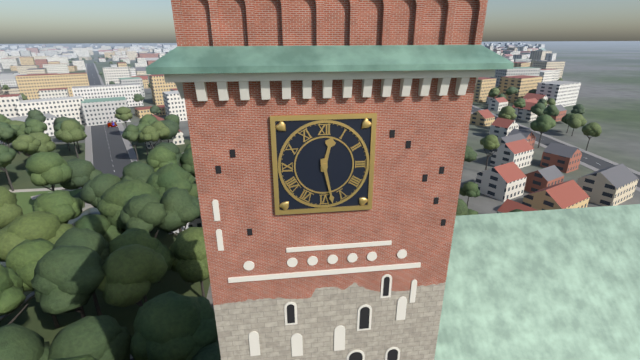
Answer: h=12 m=28
